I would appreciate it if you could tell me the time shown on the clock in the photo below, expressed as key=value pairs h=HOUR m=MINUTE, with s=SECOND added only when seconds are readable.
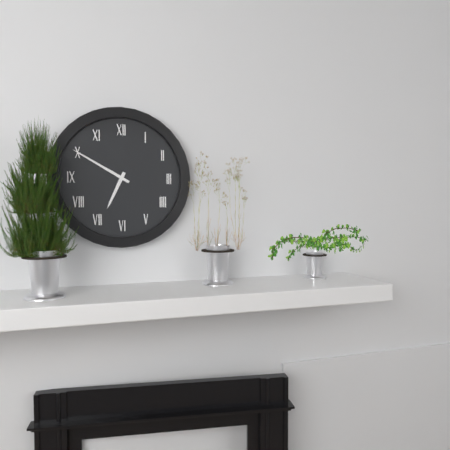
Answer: h=6 m=50
